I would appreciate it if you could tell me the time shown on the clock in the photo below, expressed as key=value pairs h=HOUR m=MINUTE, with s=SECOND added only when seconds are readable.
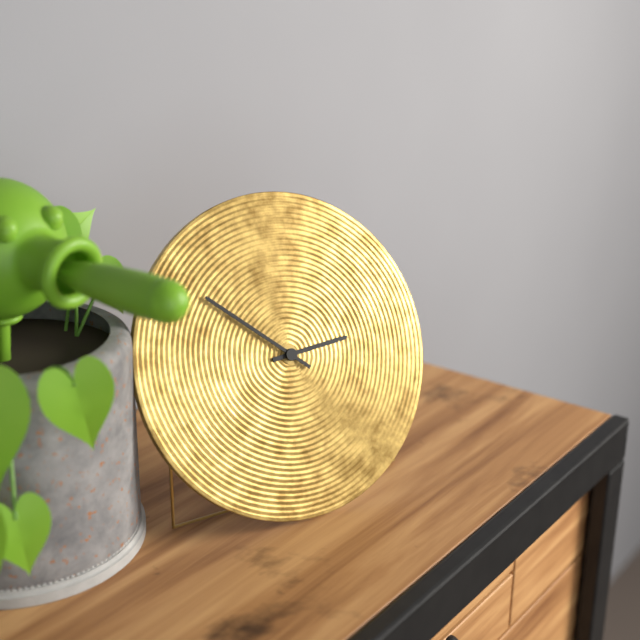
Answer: h=2 m=52
